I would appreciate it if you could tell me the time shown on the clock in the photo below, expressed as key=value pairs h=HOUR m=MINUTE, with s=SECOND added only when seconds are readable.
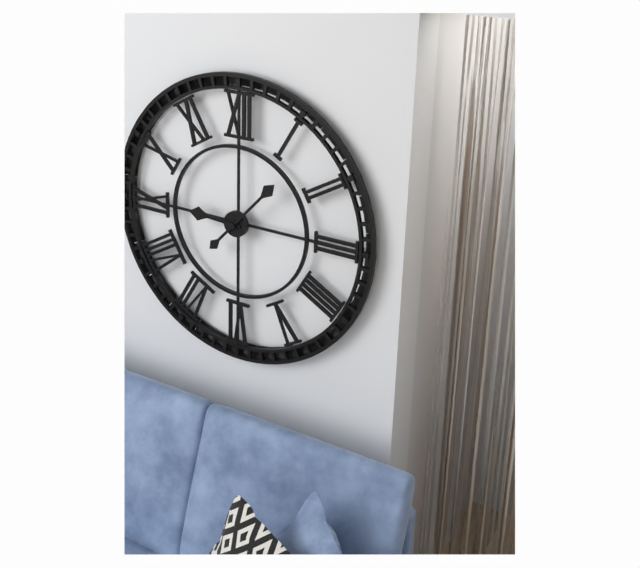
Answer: h=9 m=7
